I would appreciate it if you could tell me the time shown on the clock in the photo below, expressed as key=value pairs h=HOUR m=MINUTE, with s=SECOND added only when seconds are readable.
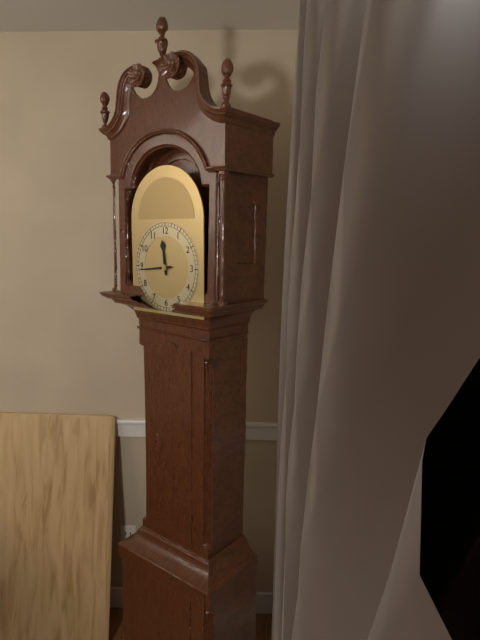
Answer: h=11 m=44
